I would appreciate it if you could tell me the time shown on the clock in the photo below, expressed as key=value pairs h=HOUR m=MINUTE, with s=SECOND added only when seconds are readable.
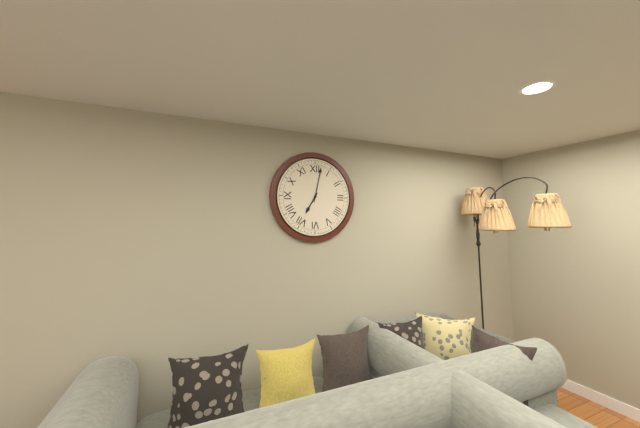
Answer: h=7 m=2
